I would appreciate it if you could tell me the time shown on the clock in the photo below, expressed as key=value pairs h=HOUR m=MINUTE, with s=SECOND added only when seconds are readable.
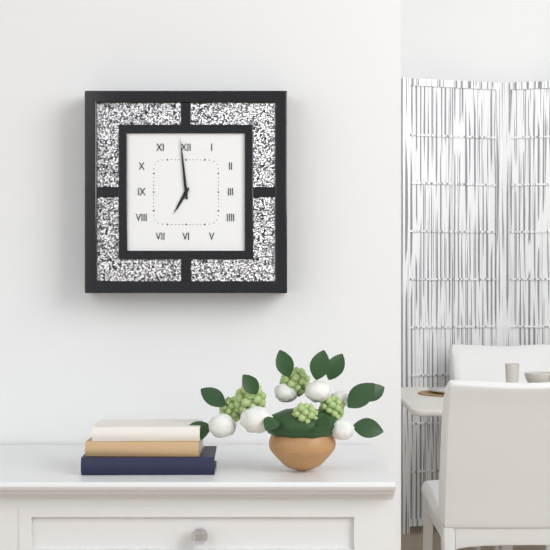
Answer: h=6 m=59
